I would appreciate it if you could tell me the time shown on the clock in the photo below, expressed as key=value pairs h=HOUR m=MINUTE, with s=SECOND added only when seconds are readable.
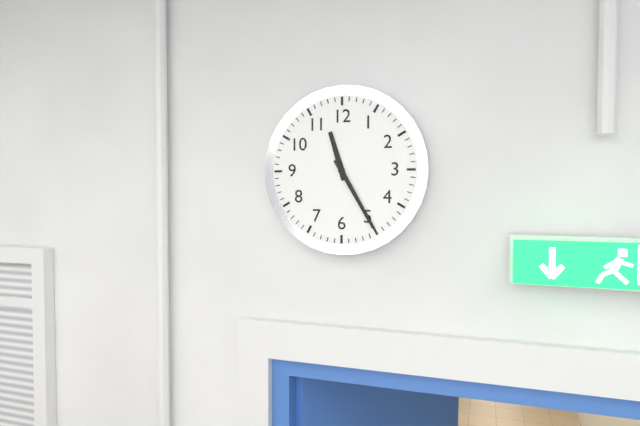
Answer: h=11 m=25
